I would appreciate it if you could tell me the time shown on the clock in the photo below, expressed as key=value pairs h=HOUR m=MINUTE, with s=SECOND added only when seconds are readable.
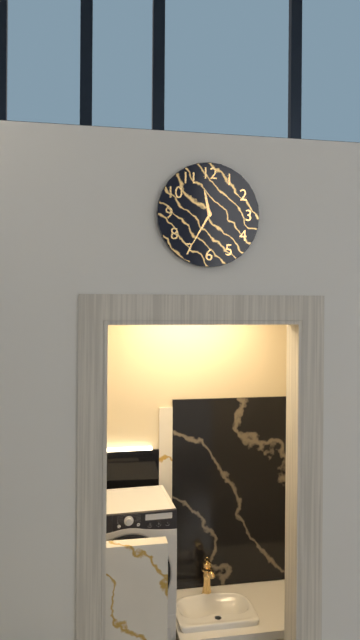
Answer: h=11 m=35
